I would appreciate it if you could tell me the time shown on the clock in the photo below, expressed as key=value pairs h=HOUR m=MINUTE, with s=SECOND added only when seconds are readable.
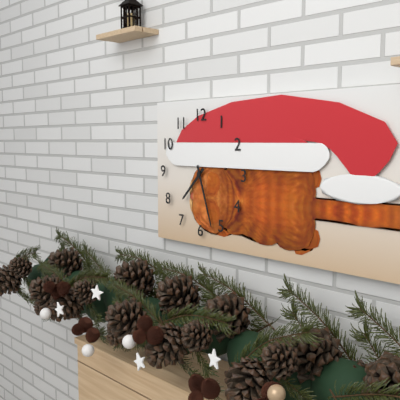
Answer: h=7 m=27
